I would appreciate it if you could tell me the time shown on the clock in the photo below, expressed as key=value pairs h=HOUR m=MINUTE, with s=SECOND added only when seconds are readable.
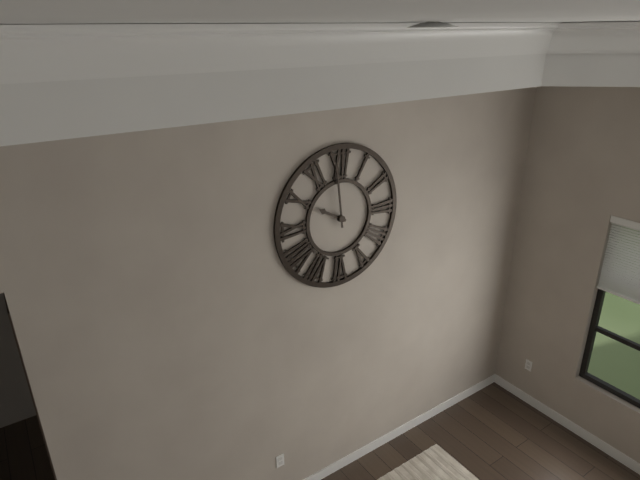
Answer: h=9 m=59
